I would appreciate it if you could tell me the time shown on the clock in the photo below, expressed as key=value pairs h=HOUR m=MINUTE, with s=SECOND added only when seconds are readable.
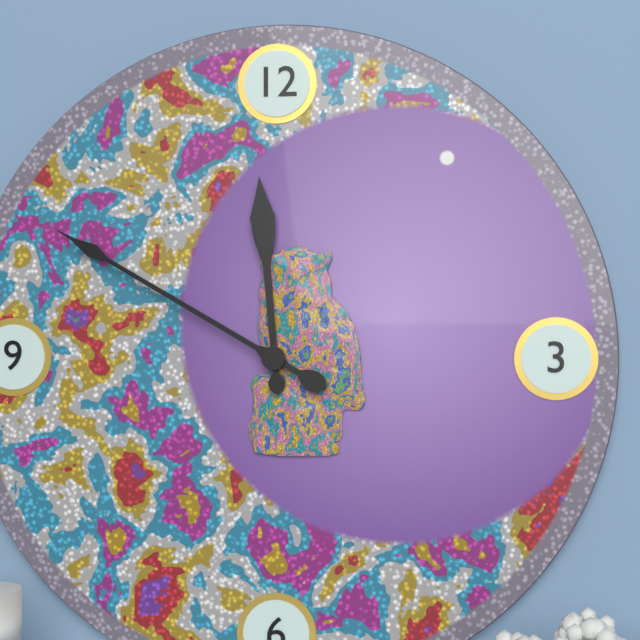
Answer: h=11 m=50
